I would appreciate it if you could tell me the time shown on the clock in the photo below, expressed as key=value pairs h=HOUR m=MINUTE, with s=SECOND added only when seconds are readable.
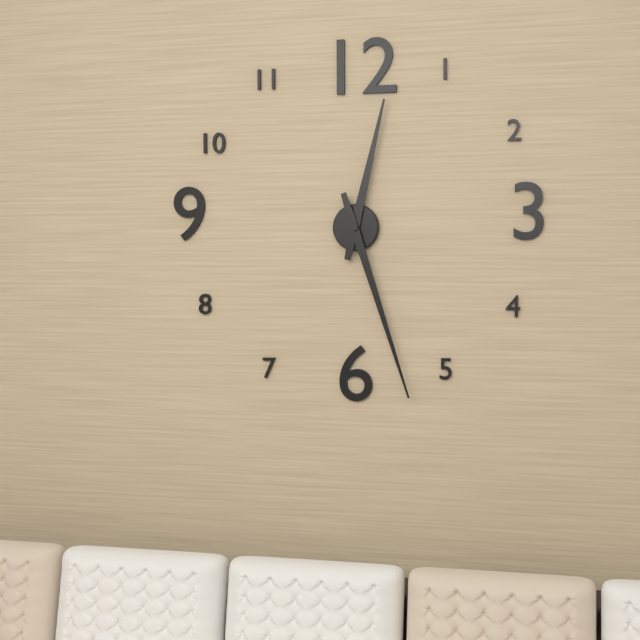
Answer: h=12 m=27
